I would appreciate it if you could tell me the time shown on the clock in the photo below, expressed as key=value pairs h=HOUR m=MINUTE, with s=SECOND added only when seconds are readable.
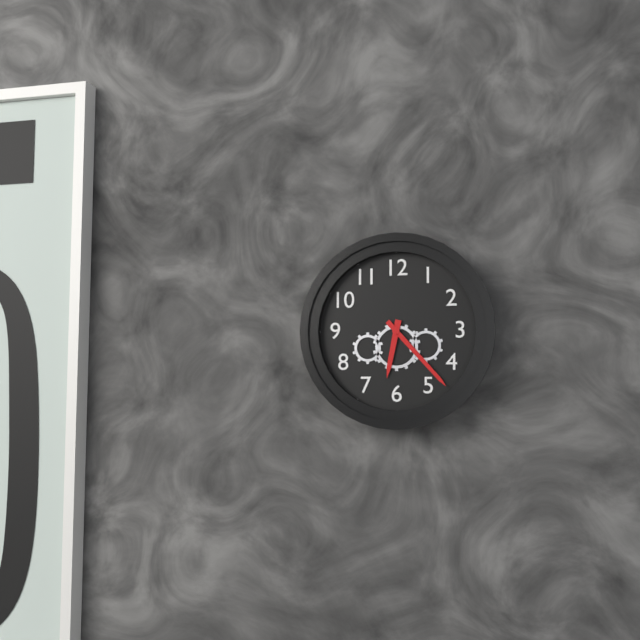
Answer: h=6 m=23
